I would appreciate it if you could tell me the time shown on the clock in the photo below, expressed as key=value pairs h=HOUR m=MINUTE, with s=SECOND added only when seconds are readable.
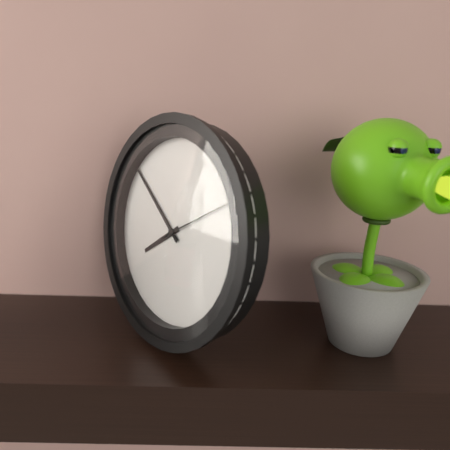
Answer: h=7 m=51 s=10
